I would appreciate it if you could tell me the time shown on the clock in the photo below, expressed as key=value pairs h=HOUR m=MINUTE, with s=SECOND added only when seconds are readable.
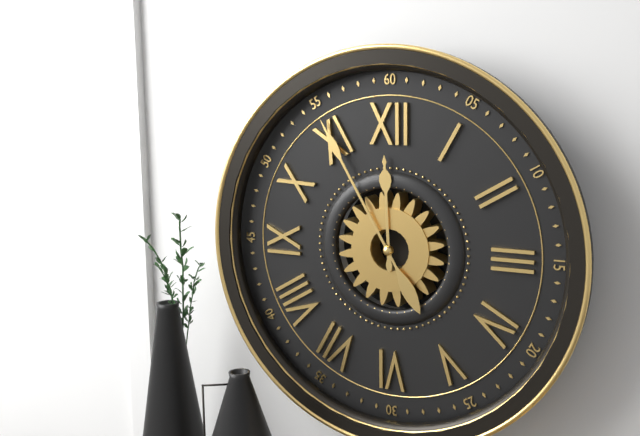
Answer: h=11 m=55
